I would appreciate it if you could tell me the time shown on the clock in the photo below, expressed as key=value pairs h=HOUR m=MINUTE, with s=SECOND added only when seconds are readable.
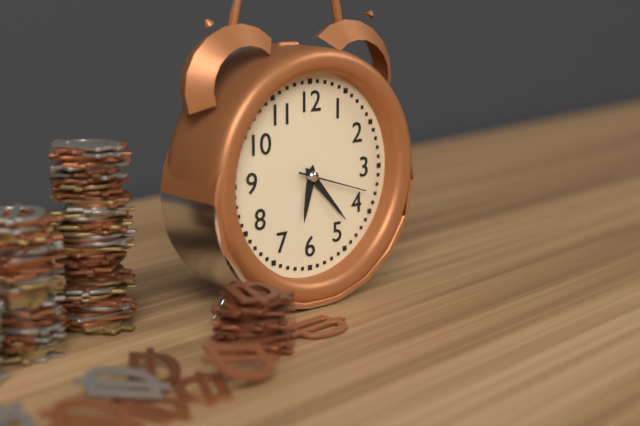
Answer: h=6 m=23 s=18
